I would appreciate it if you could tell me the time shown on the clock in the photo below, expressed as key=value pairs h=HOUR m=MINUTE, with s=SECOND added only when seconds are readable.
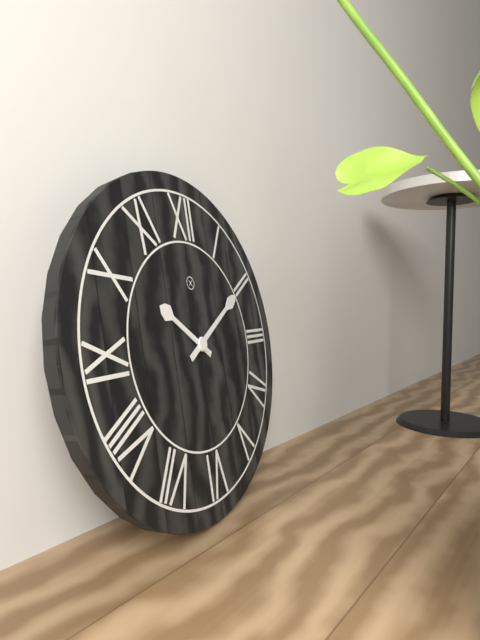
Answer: h=10 m=10
